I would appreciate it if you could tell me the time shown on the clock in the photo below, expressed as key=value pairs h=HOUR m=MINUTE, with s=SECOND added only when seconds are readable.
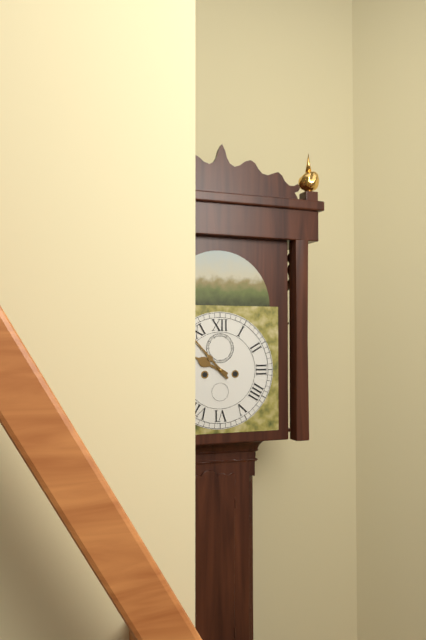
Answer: h=9 m=53
